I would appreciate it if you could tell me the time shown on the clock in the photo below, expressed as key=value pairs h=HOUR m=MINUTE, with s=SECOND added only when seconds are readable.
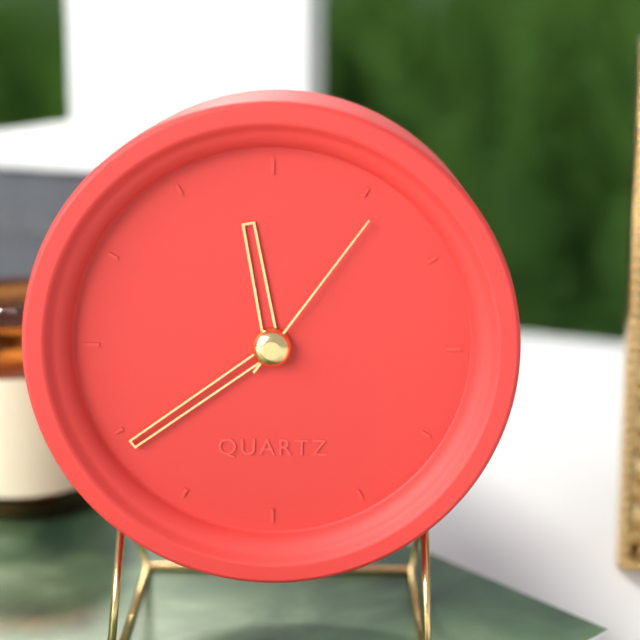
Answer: h=11 m=39 s=6
